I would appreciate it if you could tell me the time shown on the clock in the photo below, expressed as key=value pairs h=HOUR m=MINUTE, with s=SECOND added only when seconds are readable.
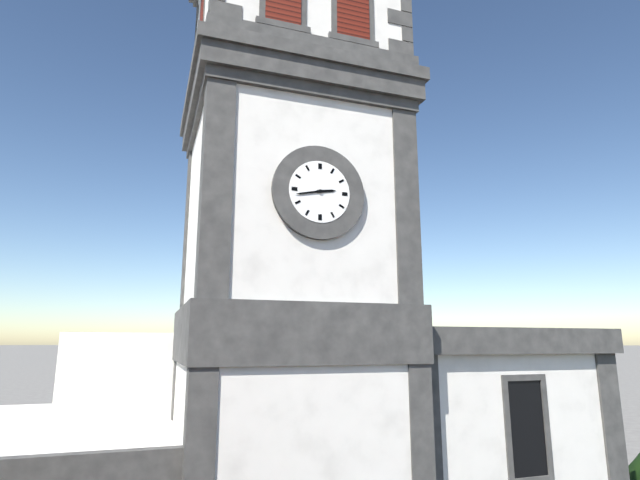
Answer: h=2 m=43
